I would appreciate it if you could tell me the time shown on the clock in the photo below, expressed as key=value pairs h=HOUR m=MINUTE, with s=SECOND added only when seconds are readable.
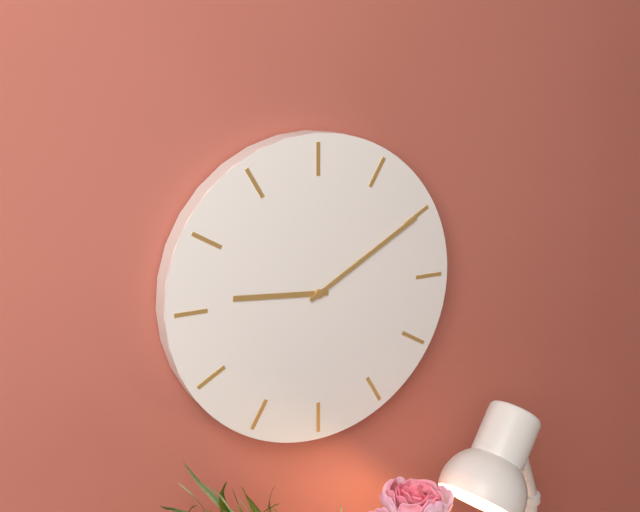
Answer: h=9 m=10
